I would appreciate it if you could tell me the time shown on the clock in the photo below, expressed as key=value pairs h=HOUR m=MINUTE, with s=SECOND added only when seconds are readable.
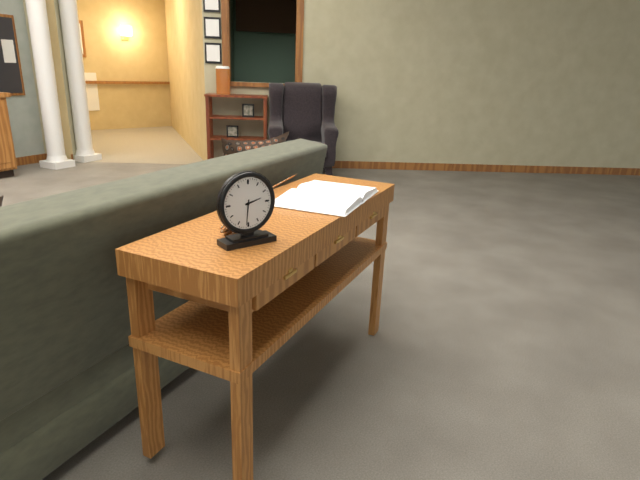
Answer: h=2 m=31
